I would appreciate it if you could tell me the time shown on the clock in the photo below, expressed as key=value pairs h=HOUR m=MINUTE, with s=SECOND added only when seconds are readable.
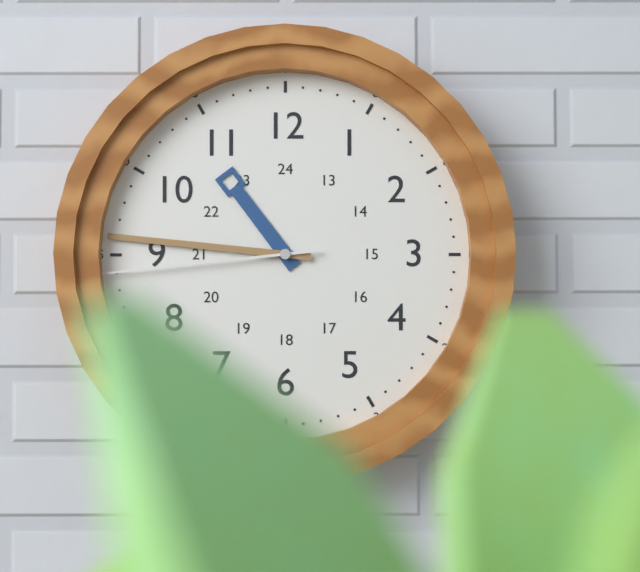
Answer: h=10 m=46 s=44
